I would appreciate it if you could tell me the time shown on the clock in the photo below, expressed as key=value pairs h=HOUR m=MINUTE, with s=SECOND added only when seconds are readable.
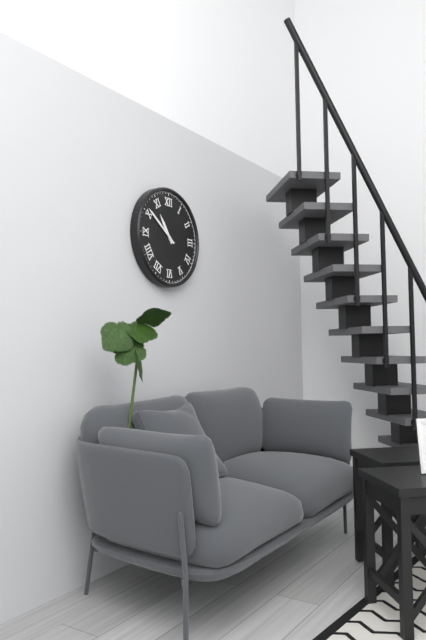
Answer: h=10 m=51
